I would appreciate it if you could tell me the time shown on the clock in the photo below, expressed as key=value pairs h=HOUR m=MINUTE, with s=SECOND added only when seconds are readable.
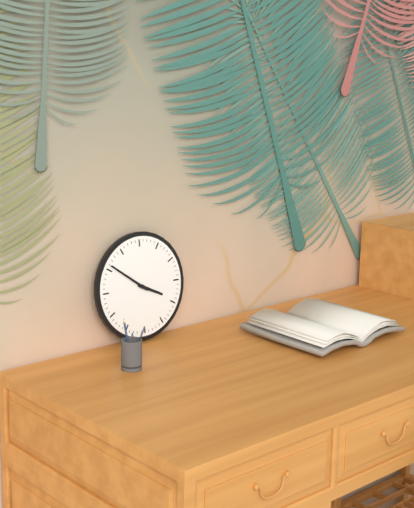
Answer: h=3 m=51
